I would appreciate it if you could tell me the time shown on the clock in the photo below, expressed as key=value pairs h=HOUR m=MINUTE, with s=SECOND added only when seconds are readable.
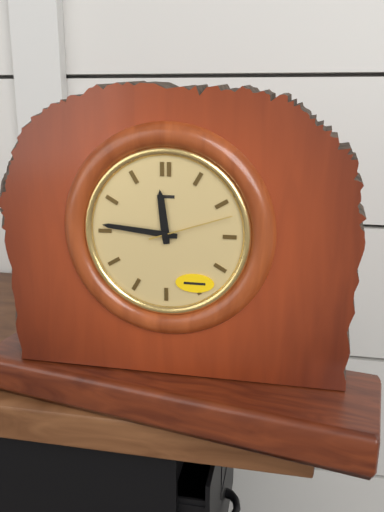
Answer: h=11 m=46 s=12
